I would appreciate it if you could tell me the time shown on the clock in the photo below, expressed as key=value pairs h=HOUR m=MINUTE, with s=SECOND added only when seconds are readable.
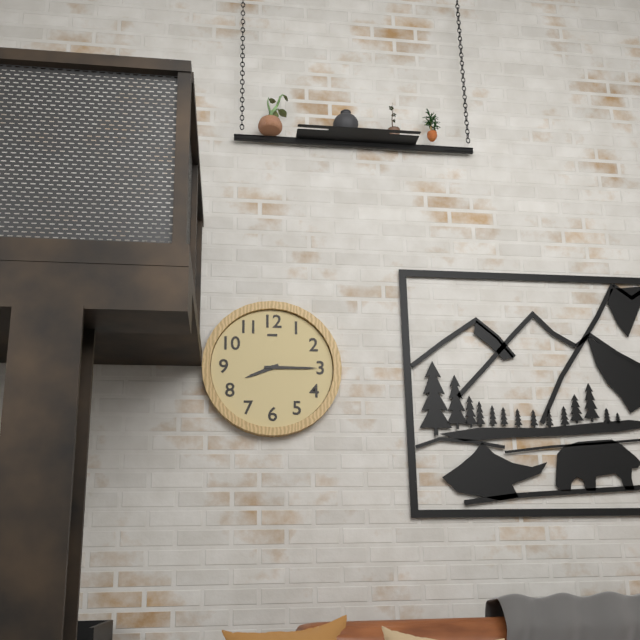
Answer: h=8 m=15
